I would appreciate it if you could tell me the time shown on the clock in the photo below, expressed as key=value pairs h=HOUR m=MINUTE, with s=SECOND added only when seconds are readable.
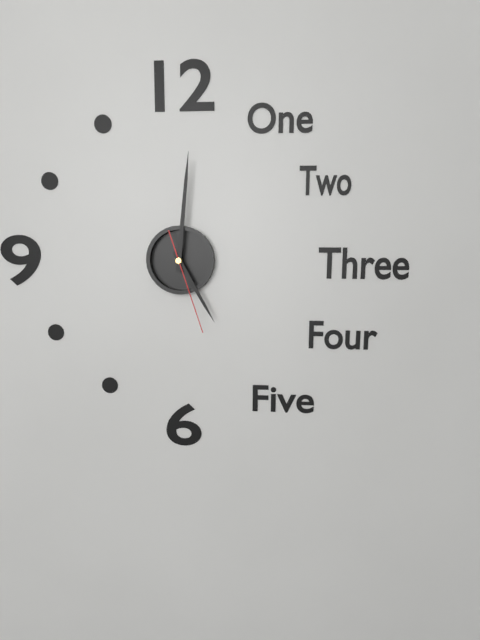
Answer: h=5 m=1 s=27
